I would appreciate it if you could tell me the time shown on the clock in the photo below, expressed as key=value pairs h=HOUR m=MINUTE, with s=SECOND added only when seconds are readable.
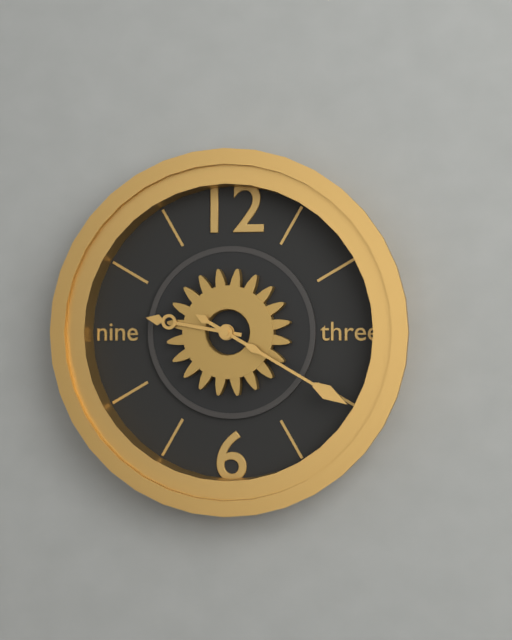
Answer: h=9 m=20
